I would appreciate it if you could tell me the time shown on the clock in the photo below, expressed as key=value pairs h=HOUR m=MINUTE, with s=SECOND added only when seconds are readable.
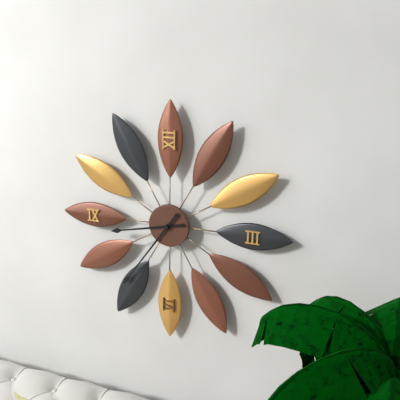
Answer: h=8 m=36
